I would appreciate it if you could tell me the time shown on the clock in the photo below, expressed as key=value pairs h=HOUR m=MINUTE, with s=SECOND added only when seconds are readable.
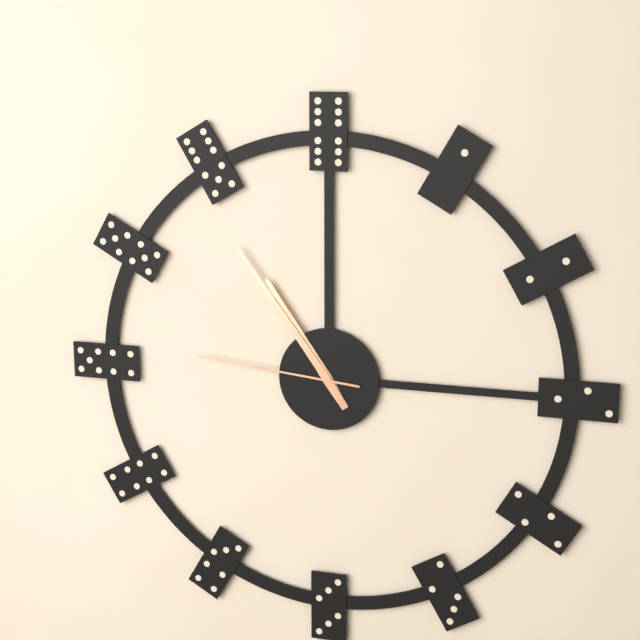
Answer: h=10 m=54 s=46
